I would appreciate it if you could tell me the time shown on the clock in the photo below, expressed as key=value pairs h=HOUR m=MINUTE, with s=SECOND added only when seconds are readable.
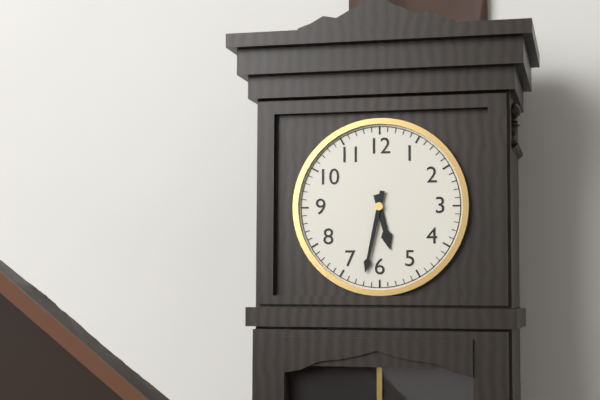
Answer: h=5 m=32
